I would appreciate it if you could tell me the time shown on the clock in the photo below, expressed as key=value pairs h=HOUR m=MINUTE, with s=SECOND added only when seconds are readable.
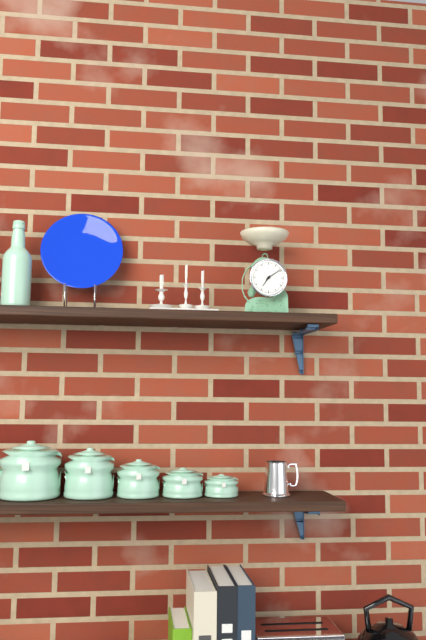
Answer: h=7 m=9
